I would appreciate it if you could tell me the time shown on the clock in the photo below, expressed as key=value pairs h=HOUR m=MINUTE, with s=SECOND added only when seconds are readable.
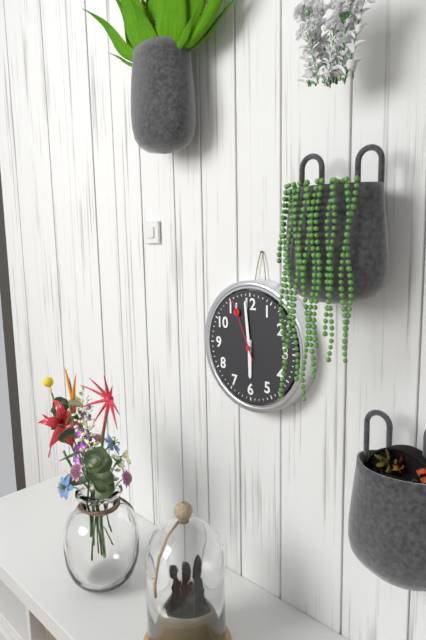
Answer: h=5 m=59 s=56
